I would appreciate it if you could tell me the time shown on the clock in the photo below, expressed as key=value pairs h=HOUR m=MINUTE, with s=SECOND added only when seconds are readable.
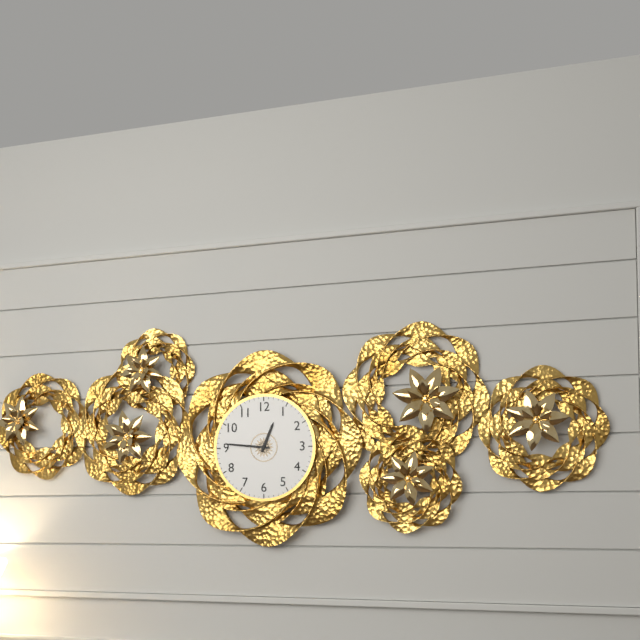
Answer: h=12 m=46
